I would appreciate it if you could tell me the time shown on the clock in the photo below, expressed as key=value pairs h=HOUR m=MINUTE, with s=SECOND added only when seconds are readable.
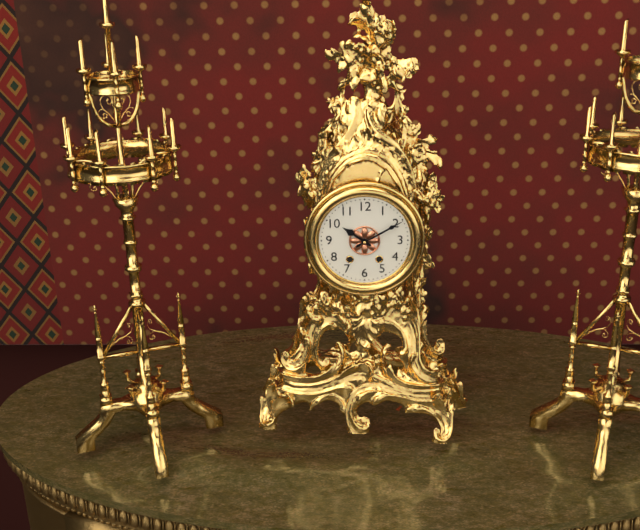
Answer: h=10 m=10
